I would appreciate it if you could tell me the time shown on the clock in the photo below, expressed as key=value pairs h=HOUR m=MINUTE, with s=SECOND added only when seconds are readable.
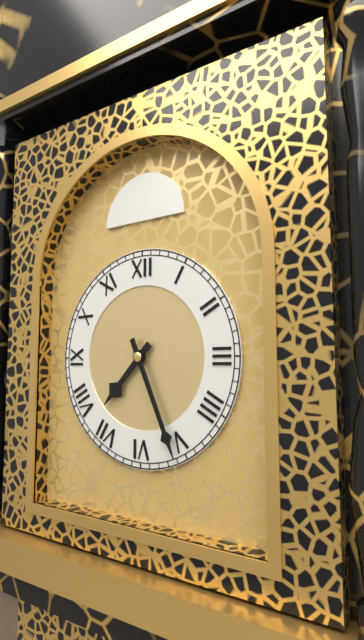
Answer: h=7 m=26
